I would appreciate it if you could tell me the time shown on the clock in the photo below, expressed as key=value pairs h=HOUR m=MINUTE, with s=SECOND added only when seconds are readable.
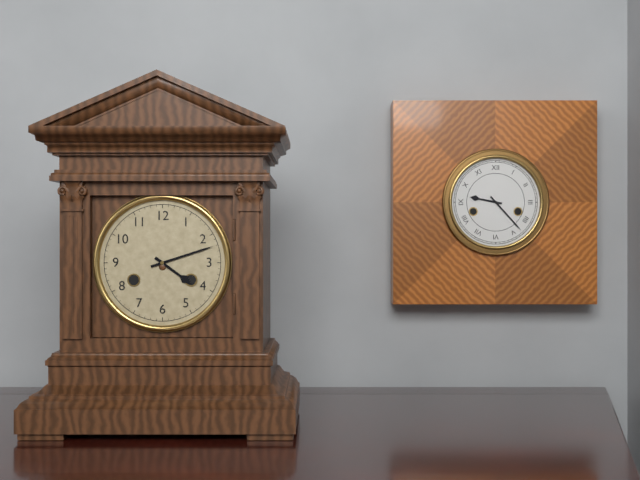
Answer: h=4 m=12
